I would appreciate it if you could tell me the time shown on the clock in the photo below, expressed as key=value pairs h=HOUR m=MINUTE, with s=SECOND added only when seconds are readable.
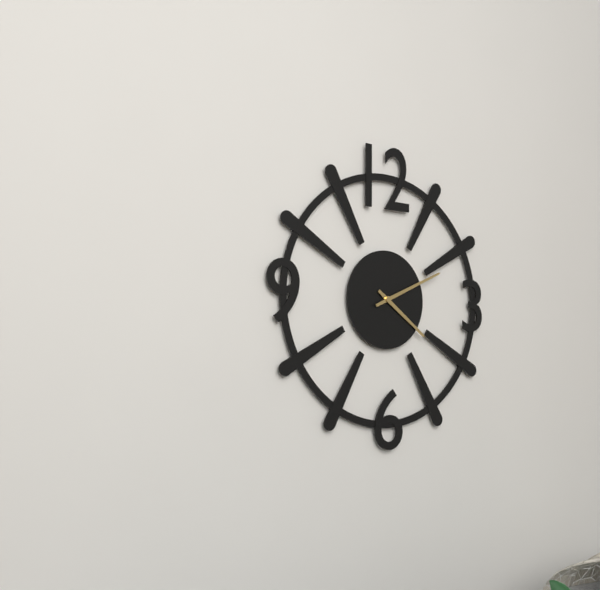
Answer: h=4 m=11
